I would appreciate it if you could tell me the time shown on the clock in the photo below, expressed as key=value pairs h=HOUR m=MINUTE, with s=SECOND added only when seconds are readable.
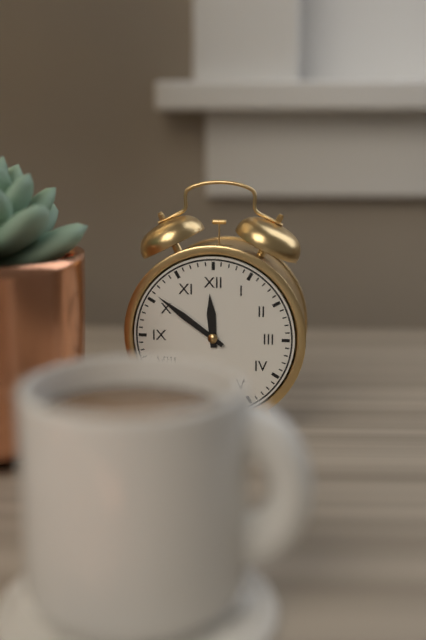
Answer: h=11 m=51
